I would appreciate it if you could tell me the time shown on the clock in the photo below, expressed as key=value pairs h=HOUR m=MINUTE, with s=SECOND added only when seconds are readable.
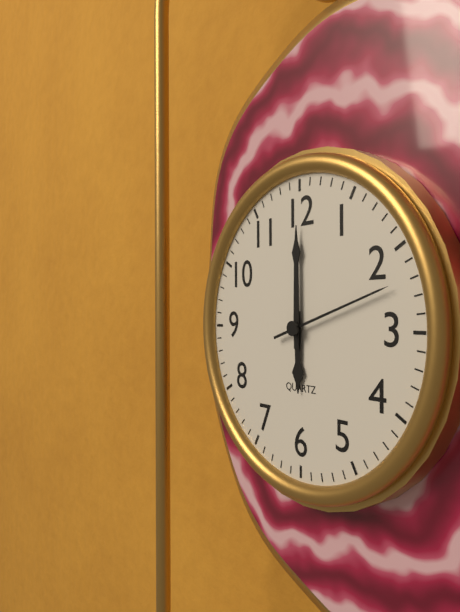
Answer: h=6 m=0 s=12
